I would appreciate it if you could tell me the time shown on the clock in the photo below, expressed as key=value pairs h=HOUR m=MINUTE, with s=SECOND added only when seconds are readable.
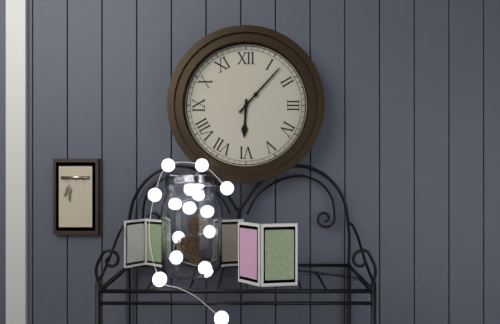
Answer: h=6 m=7
